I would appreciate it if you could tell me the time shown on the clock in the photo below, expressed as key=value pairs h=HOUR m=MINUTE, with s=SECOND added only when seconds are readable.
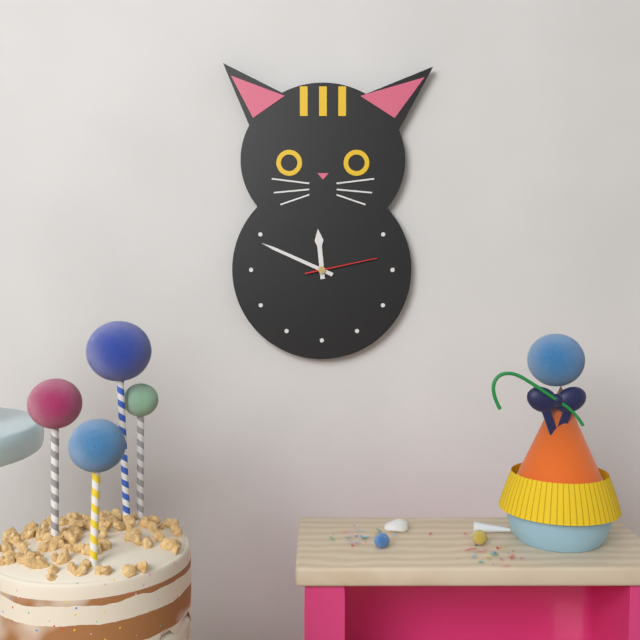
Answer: h=11 m=49 s=13
